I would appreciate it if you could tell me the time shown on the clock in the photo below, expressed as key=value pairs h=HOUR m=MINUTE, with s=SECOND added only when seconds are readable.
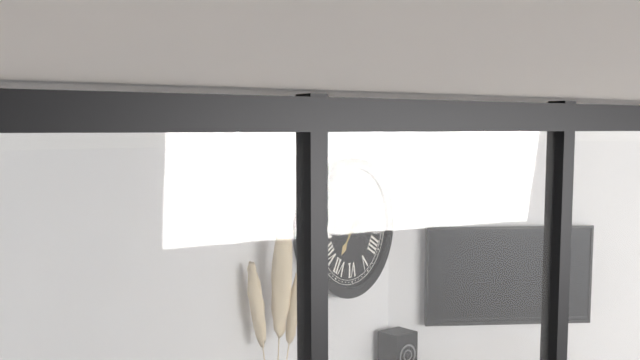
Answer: h=7 m=13
